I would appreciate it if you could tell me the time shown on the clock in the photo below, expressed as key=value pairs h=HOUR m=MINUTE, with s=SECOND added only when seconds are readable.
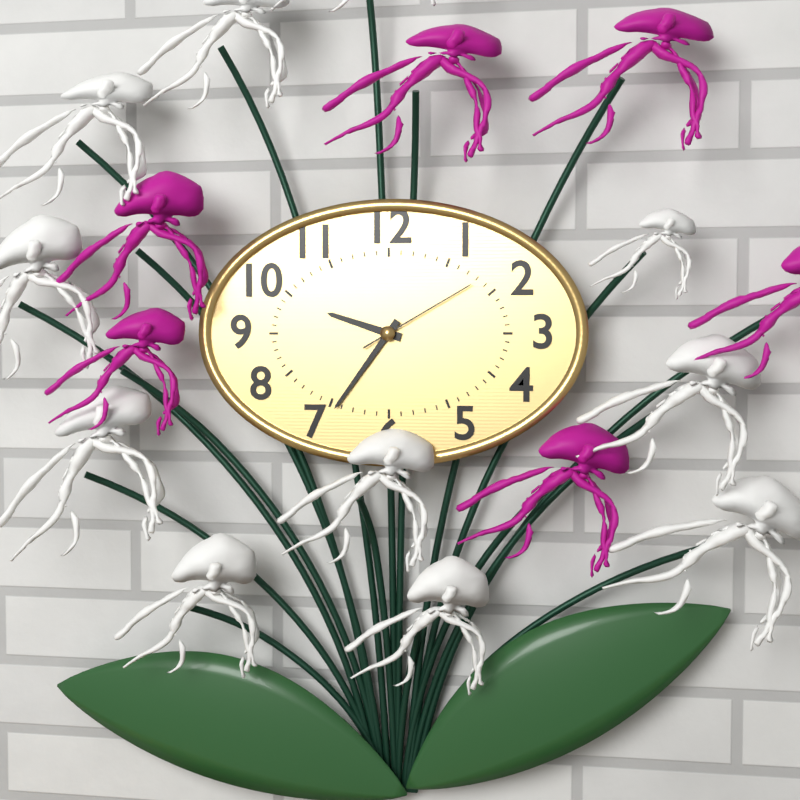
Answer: h=9 m=36 s=10
